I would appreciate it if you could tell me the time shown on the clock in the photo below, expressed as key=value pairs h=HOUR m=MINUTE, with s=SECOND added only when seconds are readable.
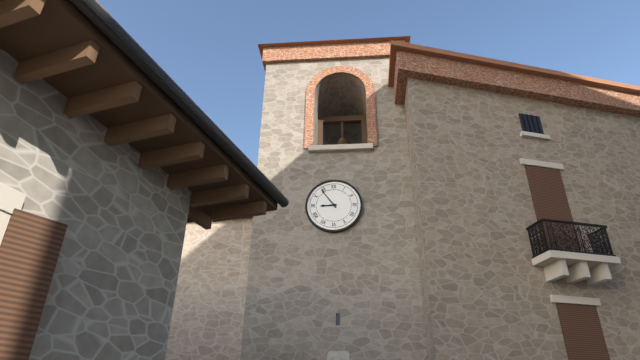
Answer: h=8 m=54
